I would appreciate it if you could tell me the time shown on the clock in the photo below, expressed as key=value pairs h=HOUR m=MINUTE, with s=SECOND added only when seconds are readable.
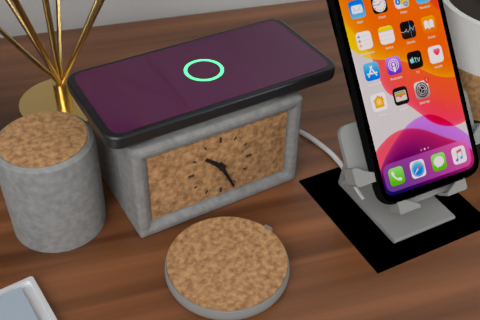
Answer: h=10 m=26
